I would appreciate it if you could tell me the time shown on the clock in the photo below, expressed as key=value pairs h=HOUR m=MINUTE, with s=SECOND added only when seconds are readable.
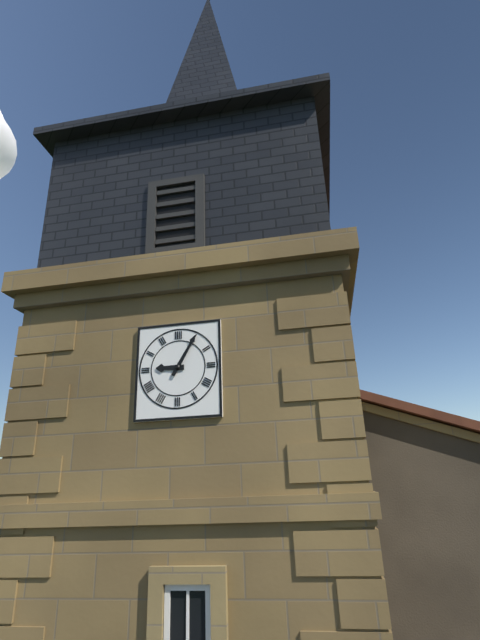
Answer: h=9 m=5
